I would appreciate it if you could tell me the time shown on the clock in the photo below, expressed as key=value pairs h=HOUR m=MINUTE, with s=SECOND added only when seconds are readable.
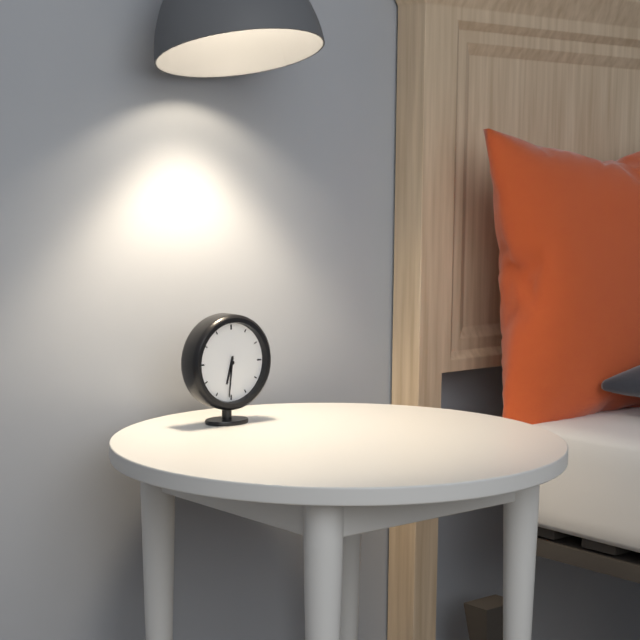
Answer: h=6 m=31
